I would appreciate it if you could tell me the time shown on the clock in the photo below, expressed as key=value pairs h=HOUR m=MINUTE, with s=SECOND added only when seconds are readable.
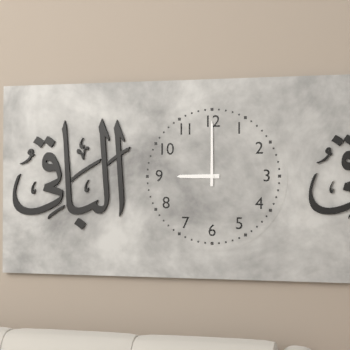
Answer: h=9 m=0
